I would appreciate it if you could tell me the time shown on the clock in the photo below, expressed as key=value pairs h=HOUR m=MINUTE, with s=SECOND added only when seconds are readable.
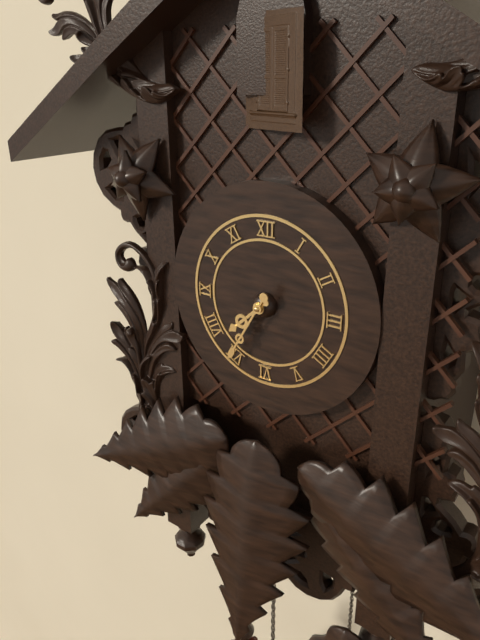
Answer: h=7 m=35
